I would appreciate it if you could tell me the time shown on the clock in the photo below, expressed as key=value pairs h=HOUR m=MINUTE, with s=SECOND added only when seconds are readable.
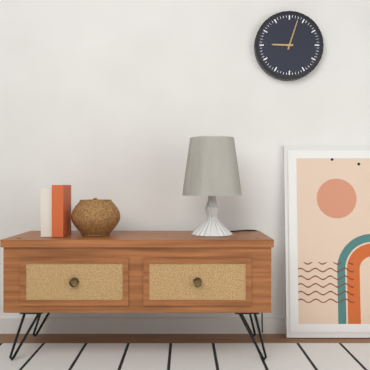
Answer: h=9 m=3
